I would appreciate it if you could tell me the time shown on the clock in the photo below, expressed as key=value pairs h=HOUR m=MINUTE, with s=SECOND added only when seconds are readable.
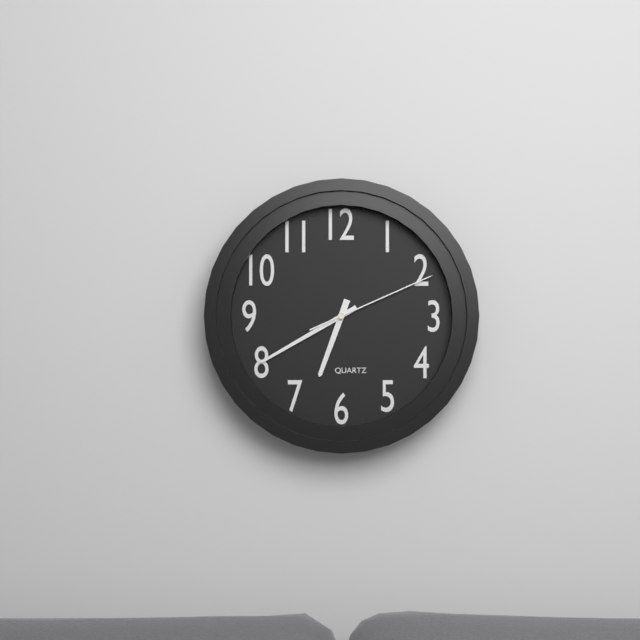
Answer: h=6 m=40 s=11
